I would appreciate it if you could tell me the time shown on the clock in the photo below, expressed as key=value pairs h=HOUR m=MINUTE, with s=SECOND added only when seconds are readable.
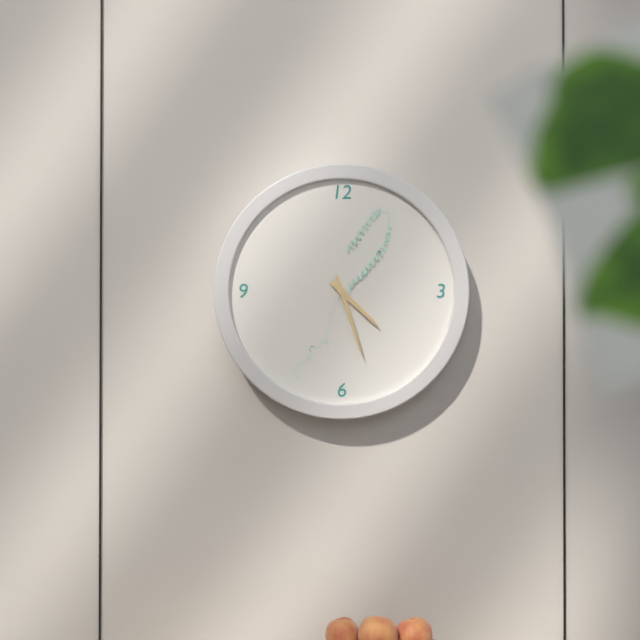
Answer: h=4 m=27
